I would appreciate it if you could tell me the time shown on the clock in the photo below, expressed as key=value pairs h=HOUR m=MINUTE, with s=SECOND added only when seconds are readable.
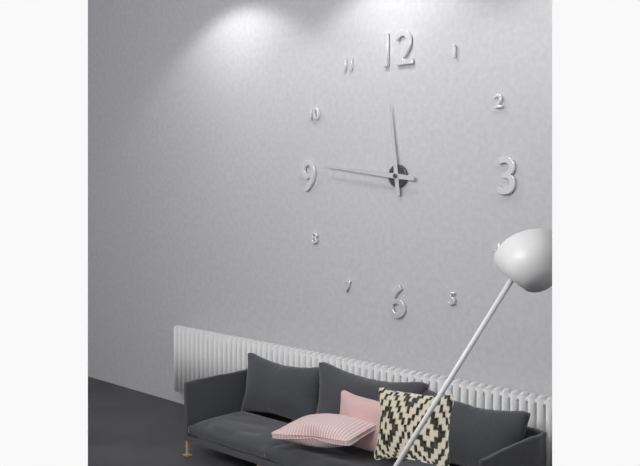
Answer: h=11 m=46
